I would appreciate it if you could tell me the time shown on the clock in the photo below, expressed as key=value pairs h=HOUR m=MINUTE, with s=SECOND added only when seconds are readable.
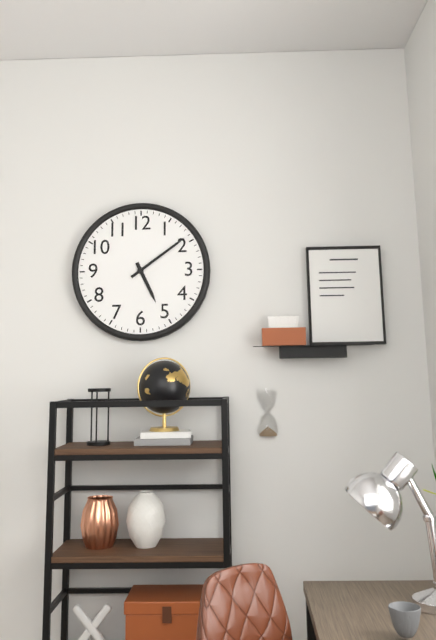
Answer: h=5 m=9
